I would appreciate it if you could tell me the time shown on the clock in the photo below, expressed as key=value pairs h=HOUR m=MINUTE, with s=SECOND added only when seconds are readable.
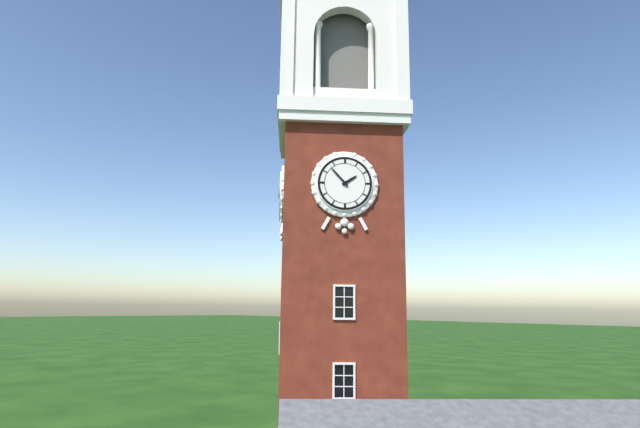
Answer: h=1 m=53
